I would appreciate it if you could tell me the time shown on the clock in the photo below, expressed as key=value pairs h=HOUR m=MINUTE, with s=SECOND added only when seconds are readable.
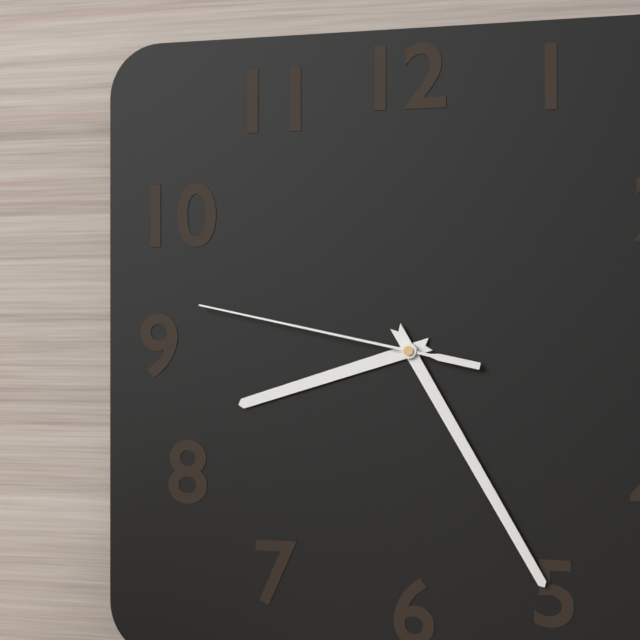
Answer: h=8 m=25 s=47
